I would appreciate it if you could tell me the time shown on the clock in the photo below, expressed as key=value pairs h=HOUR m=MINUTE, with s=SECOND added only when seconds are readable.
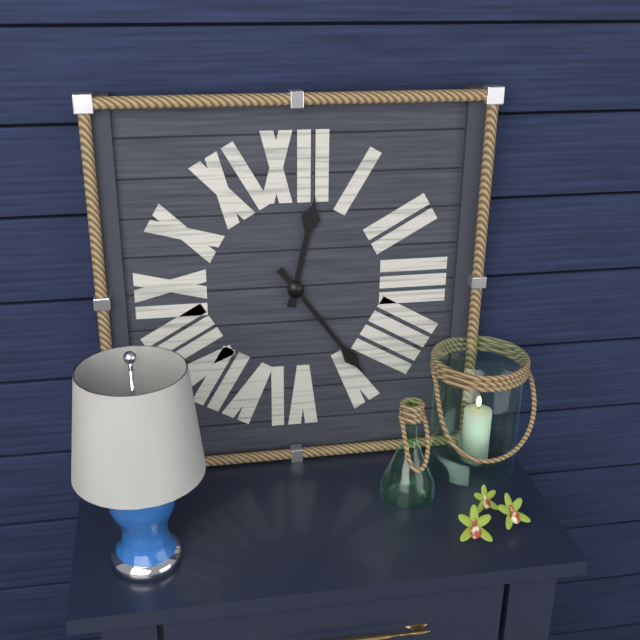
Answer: h=12 m=24
